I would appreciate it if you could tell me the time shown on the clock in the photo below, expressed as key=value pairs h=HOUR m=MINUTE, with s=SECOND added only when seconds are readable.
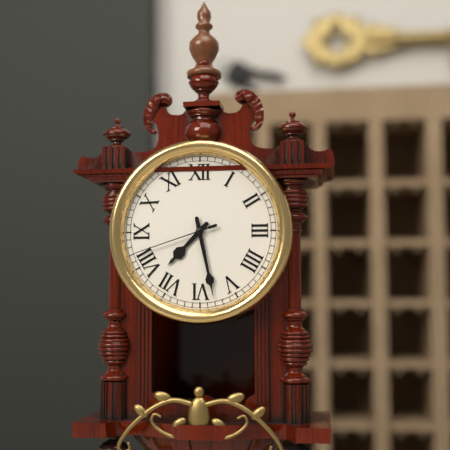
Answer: h=7 m=28 s=42
